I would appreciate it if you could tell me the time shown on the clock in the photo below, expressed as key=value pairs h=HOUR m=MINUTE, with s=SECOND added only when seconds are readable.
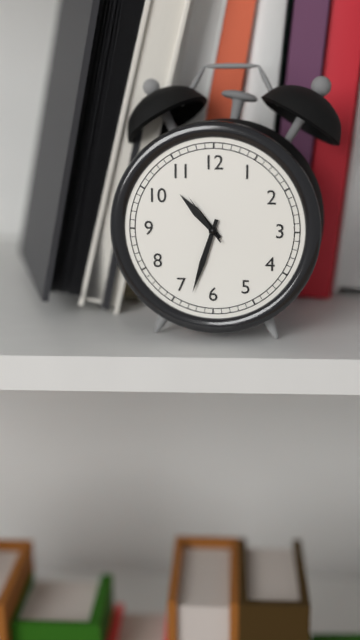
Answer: h=10 m=33 s=54
